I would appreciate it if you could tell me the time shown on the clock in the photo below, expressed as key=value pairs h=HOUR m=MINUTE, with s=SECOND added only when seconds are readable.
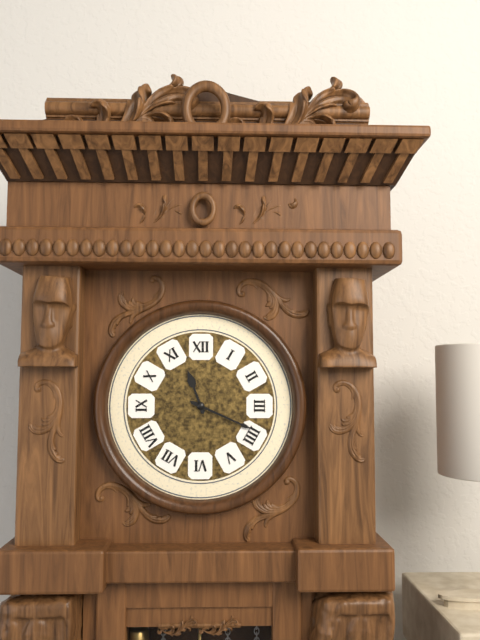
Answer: h=11 m=19
